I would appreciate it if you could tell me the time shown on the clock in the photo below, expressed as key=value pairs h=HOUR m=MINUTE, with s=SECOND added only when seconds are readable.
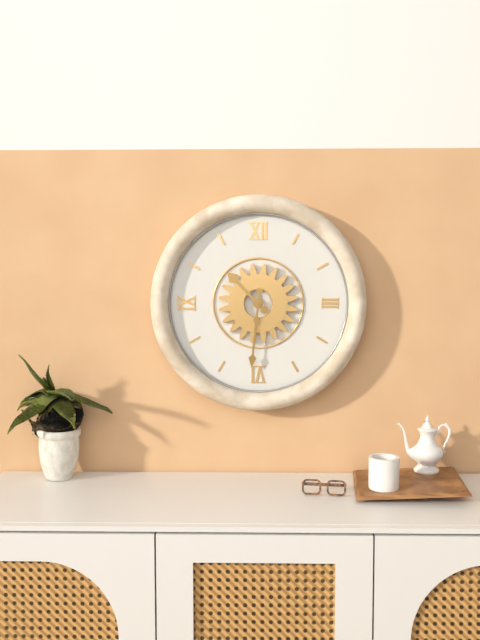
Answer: h=10 m=31
